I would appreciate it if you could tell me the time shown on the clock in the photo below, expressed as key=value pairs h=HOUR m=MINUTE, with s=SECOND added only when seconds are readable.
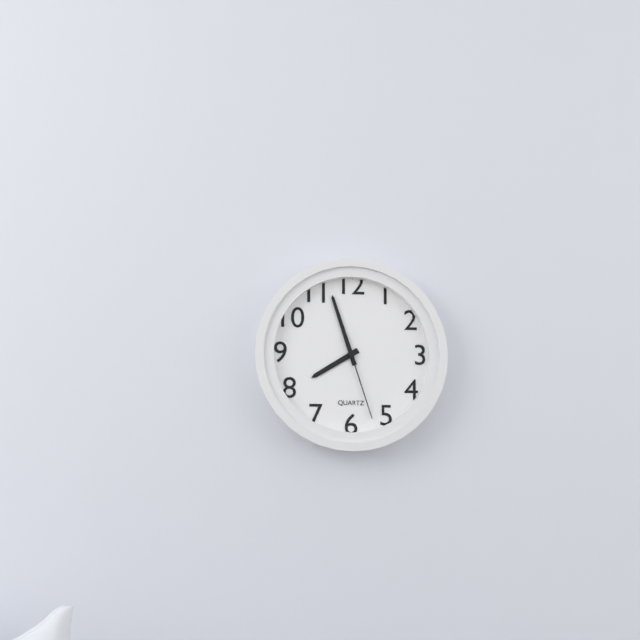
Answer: h=7 m=57 s=27
